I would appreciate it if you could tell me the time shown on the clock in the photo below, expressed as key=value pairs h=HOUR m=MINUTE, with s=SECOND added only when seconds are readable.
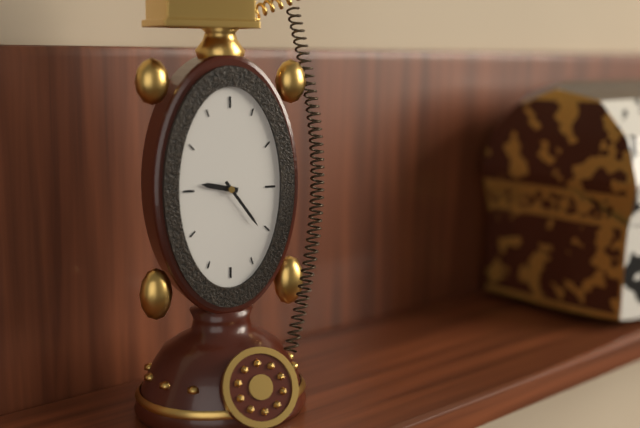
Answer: h=9 m=24
